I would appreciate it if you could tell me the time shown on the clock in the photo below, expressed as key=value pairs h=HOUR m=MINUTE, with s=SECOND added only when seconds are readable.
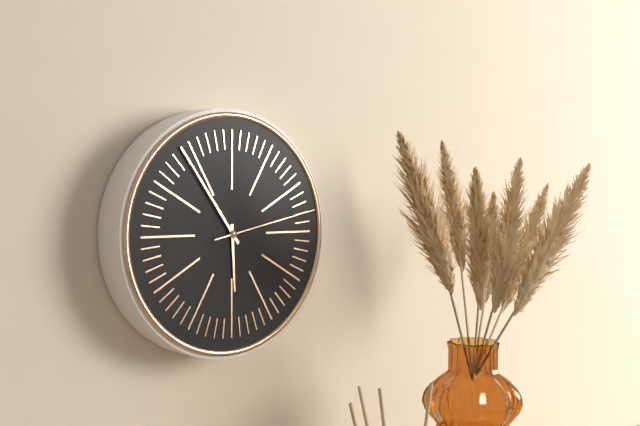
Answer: h=5 m=54 s=13
